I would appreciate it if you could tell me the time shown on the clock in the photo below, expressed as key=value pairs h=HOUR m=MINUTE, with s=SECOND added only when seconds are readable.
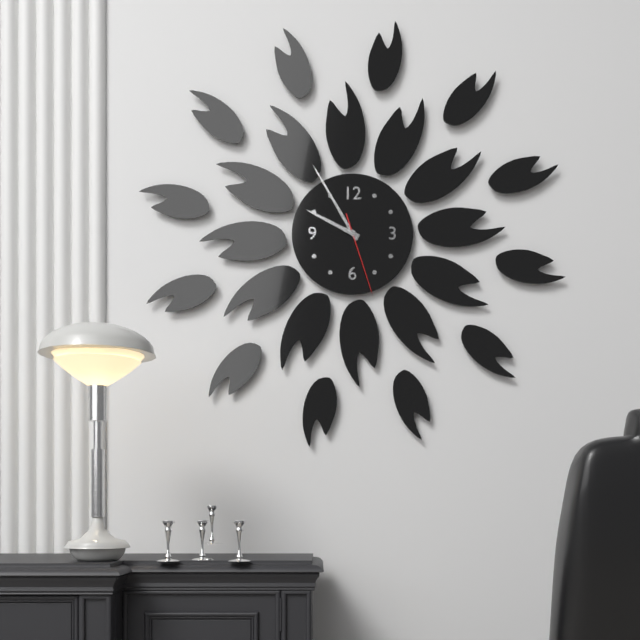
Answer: h=9 m=55 s=27
